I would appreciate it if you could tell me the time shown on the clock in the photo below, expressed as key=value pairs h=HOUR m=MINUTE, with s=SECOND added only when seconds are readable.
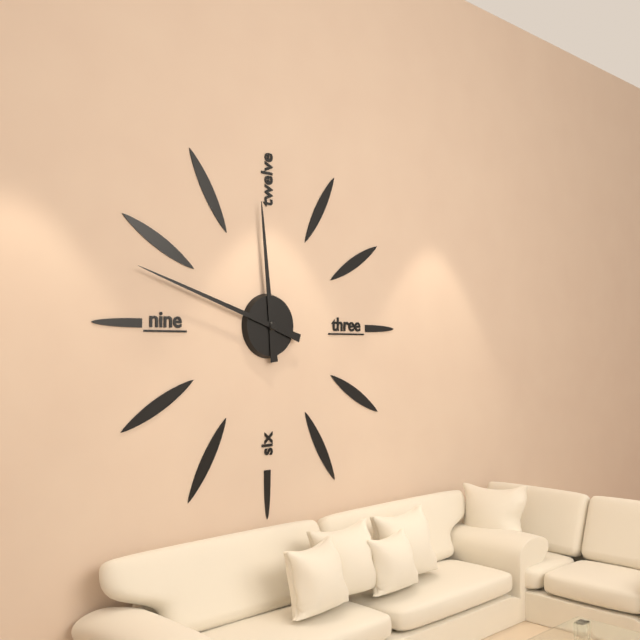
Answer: h=11 m=48
